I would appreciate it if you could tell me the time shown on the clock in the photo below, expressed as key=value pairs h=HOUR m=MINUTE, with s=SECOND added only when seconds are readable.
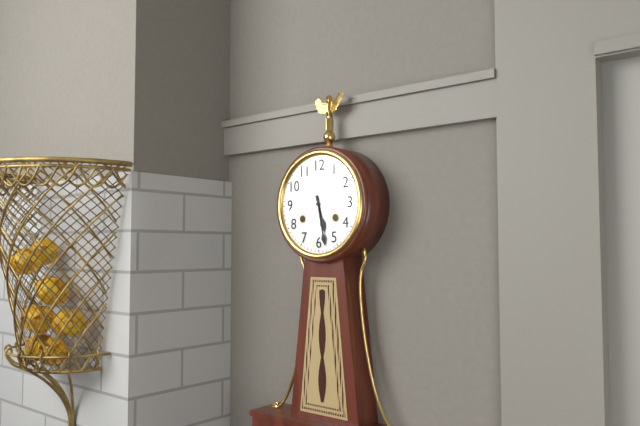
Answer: h=5 m=28
